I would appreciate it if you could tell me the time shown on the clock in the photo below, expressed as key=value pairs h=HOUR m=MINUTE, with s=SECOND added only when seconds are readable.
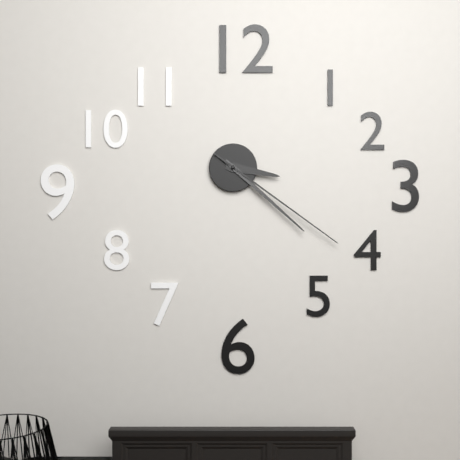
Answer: h=3 m=22 s=21
